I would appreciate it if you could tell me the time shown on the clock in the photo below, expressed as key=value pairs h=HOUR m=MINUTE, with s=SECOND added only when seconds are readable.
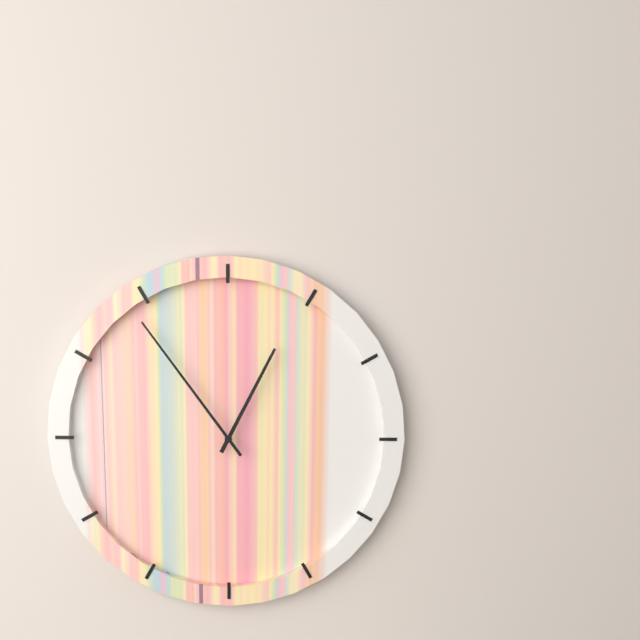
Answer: h=12 m=54
